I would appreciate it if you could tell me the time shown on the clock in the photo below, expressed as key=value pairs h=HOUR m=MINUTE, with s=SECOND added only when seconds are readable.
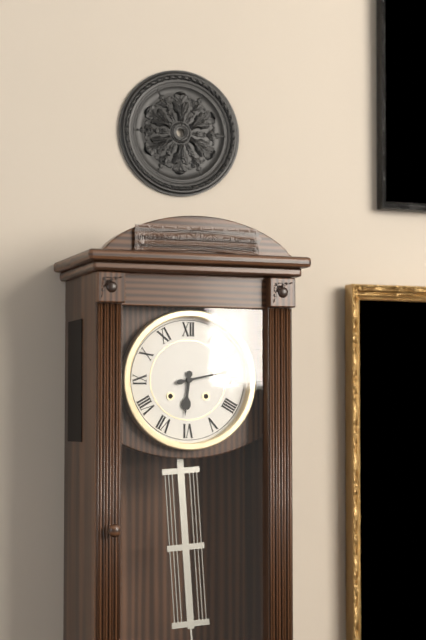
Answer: h=6 m=13
